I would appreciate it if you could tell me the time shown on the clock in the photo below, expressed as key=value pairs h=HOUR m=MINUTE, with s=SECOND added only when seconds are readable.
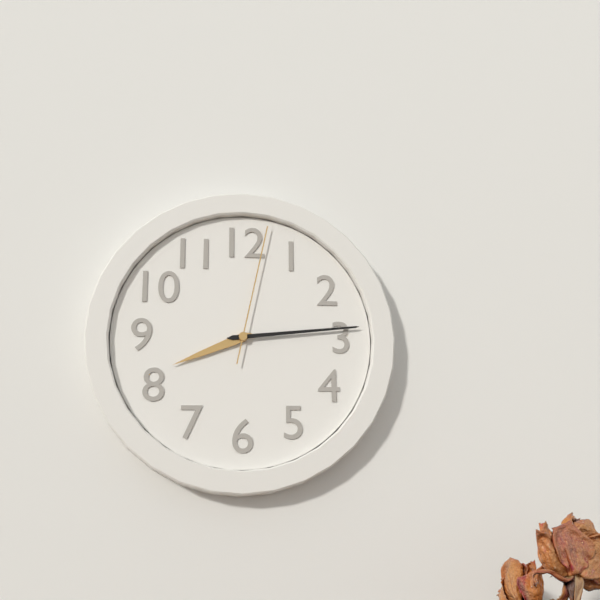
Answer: h=8 m=14 s=2
